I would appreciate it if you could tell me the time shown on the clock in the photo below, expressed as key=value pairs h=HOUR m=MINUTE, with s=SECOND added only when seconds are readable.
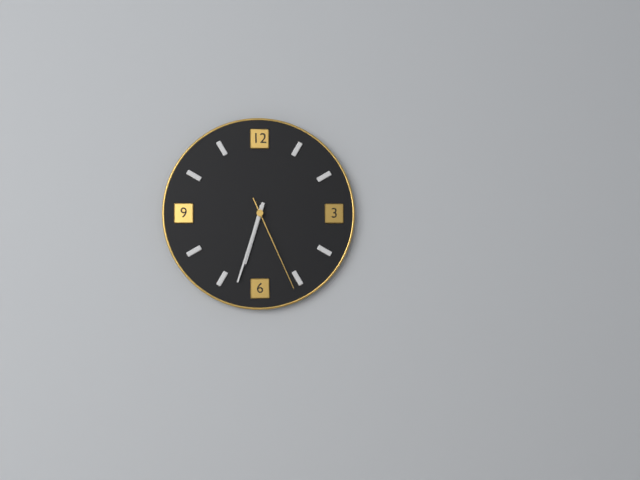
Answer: h=6 m=33 s=26
